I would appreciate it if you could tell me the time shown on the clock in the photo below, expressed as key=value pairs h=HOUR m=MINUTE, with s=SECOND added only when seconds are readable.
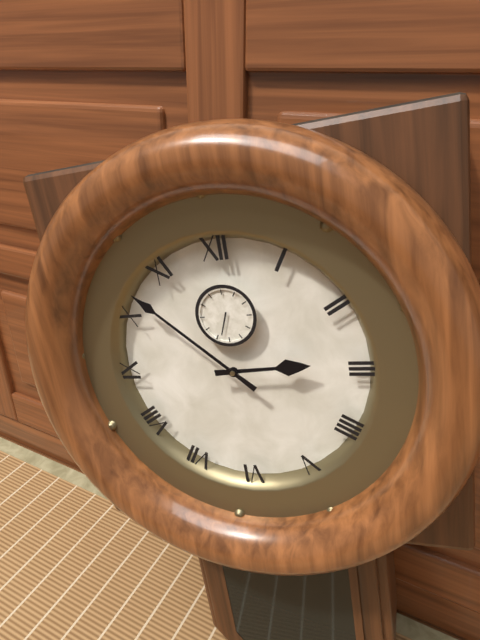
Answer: h=2 m=52
